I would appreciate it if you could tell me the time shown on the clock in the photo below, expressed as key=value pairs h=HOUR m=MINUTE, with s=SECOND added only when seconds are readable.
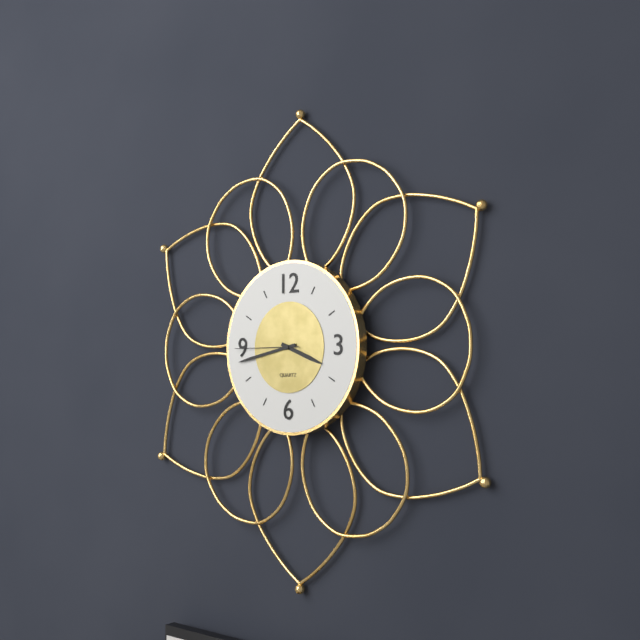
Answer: h=3 m=43 s=45
